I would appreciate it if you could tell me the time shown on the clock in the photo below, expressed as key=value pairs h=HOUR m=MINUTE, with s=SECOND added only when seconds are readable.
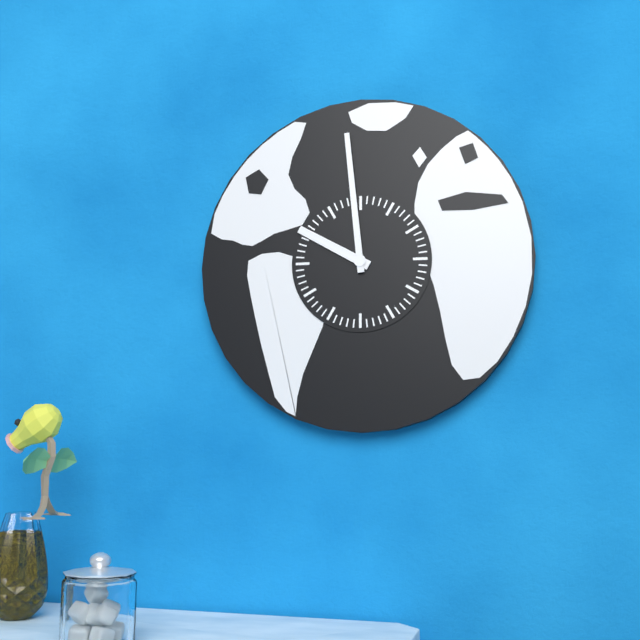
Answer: h=9 m=59
